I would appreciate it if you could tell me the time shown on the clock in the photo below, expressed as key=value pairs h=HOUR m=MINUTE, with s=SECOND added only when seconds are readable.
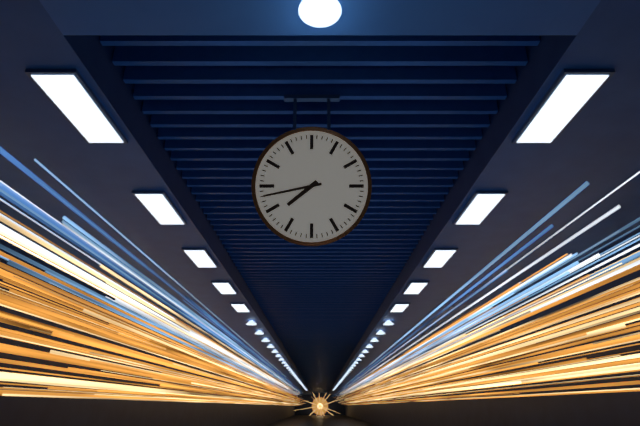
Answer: h=7 m=43
